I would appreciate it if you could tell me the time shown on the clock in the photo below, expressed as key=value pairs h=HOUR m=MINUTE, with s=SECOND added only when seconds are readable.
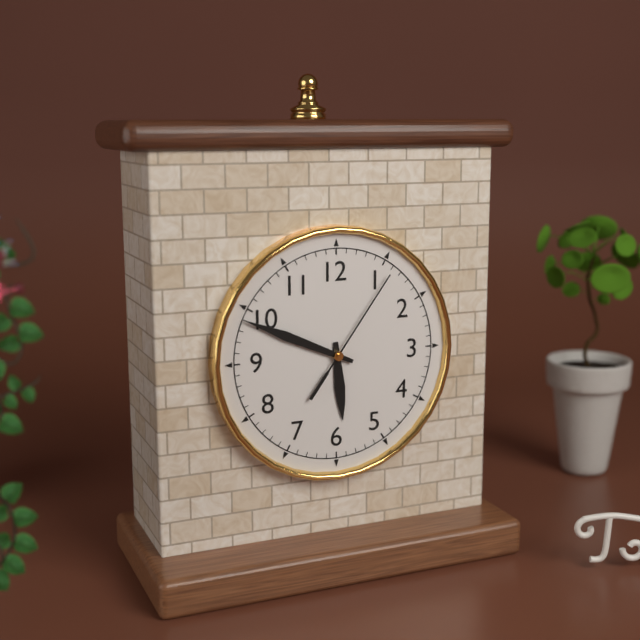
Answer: h=5 m=49 s=6
